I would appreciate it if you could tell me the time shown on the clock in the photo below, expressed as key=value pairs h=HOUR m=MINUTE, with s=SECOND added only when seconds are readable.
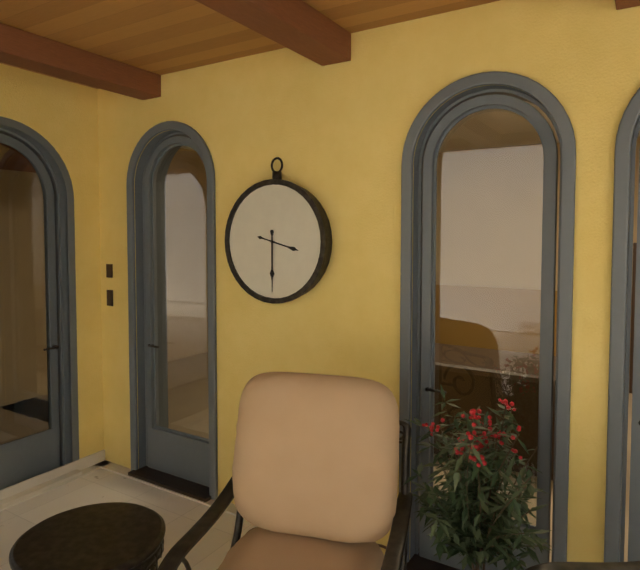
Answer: h=3 m=30
